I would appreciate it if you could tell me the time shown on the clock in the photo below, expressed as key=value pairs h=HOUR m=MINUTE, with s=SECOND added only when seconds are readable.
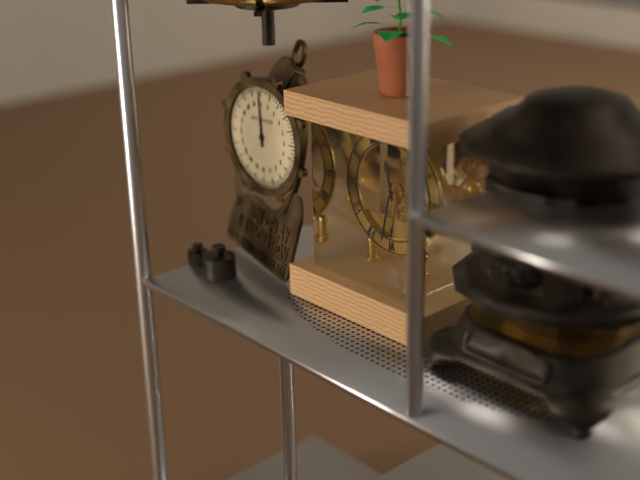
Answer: h=11 m=32
